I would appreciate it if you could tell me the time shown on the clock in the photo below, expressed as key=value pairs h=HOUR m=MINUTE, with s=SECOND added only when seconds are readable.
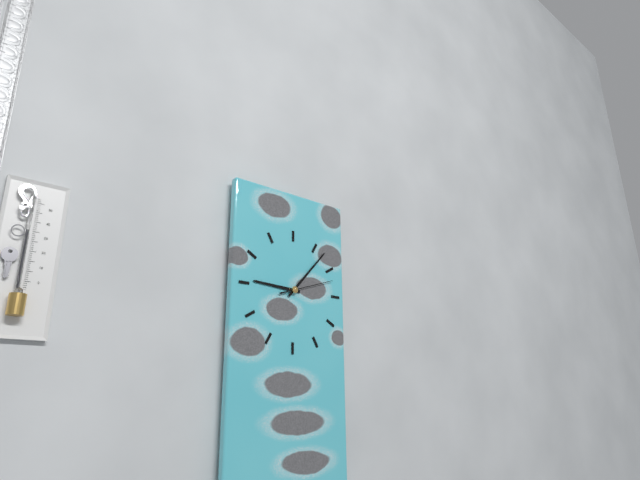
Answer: h=9 m=7 s=12
